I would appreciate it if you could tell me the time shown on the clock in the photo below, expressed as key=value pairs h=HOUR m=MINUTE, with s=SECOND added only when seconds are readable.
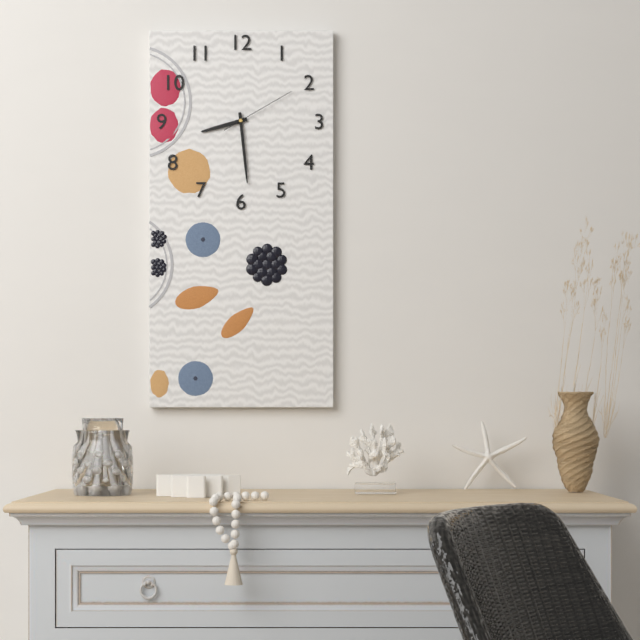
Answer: h=8 m=29 s=10
